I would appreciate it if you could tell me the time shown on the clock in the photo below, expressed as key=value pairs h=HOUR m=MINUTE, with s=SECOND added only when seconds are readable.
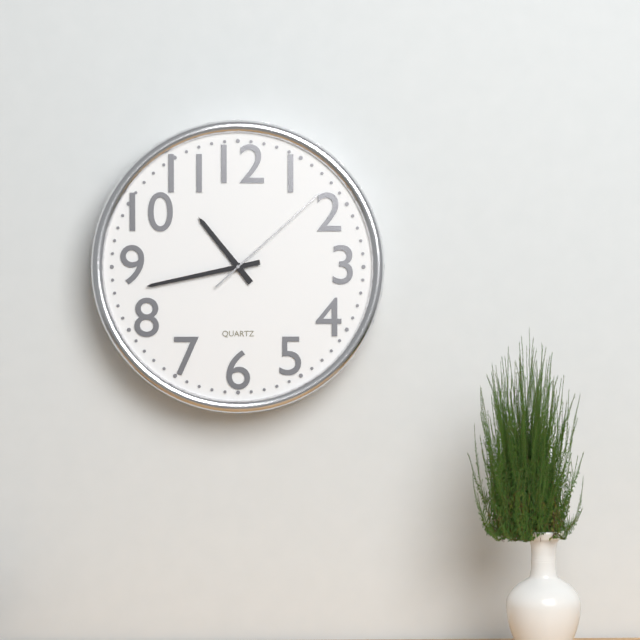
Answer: h=10 m=43 s=8
